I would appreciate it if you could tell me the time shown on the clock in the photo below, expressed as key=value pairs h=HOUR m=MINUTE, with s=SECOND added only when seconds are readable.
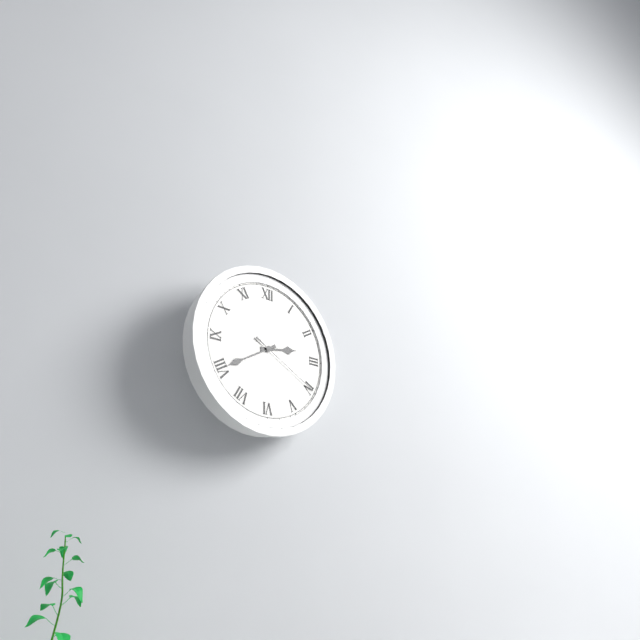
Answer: h=2 m=40 s=20
